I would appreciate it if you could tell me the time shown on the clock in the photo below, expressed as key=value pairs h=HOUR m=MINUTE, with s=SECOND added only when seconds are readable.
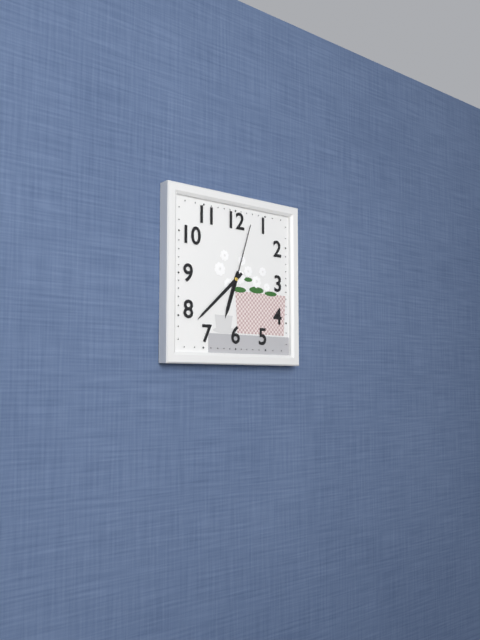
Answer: h=6 m=38 s=3
